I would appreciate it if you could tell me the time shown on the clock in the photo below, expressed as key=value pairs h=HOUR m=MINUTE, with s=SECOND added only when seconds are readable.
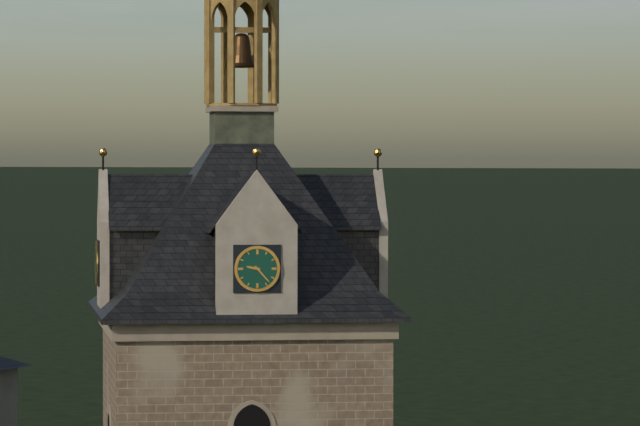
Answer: h=9 m=23
